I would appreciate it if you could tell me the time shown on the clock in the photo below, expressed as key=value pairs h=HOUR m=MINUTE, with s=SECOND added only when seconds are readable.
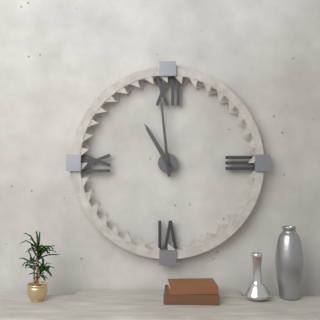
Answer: h=10 m=59
